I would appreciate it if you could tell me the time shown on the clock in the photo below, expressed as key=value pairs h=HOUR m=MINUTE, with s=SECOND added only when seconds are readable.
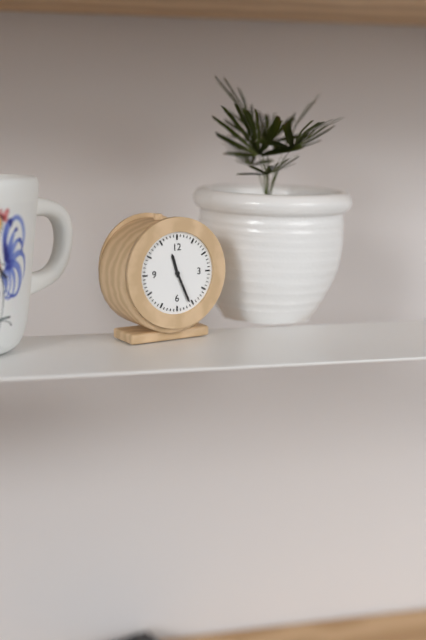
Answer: h=11 m=26
